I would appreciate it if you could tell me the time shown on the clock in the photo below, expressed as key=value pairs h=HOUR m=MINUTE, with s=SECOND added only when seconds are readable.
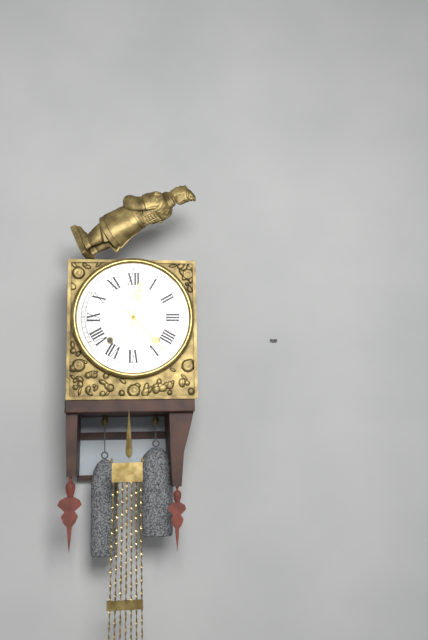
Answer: h=12 m=23
